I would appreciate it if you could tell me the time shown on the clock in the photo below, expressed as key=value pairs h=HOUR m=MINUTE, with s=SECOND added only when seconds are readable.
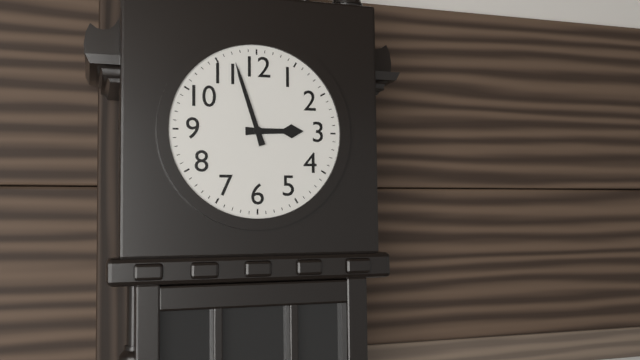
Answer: h=2 m=57
